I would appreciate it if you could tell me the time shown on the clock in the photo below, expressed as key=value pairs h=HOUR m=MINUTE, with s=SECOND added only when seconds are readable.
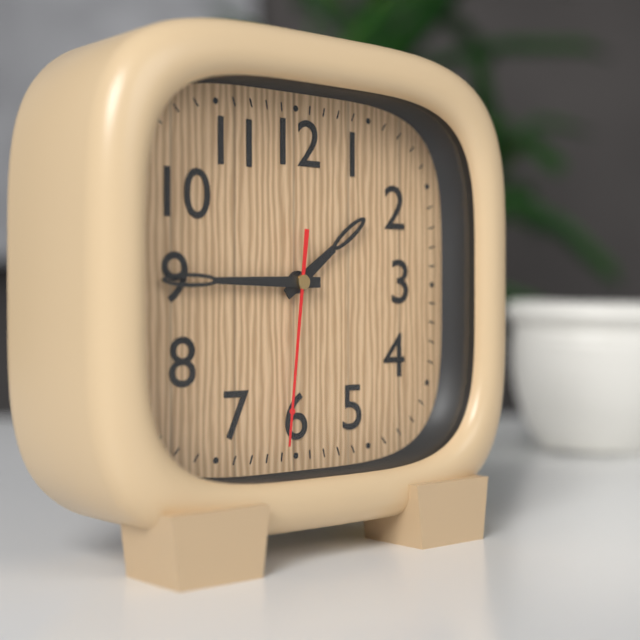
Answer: h=1 m=45 s=31
